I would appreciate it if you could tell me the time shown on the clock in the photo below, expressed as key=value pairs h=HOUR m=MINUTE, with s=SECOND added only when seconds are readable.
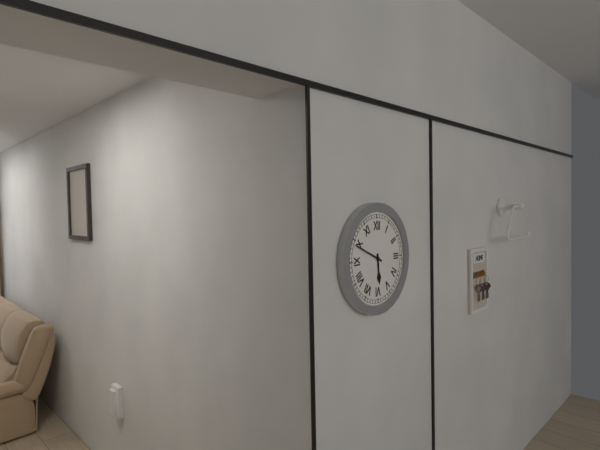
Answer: h=5 m=49
